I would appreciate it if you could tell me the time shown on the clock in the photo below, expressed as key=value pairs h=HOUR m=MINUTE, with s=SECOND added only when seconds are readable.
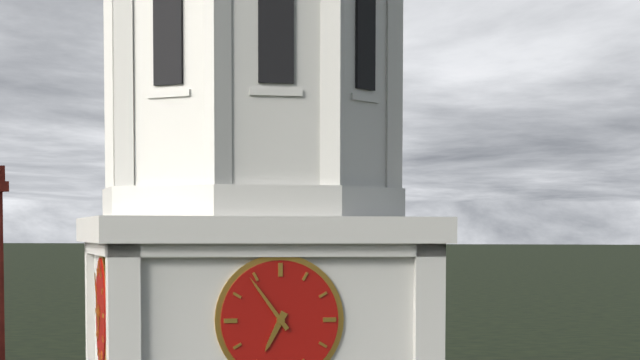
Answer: h=6 m=54
